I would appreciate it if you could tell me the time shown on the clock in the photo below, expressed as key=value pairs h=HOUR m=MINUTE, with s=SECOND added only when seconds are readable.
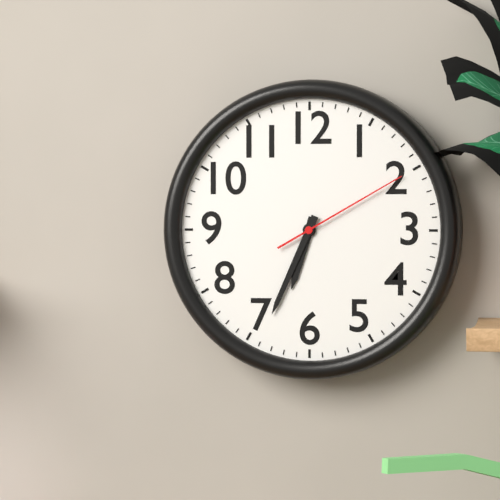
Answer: h=6 m=34 s=10
